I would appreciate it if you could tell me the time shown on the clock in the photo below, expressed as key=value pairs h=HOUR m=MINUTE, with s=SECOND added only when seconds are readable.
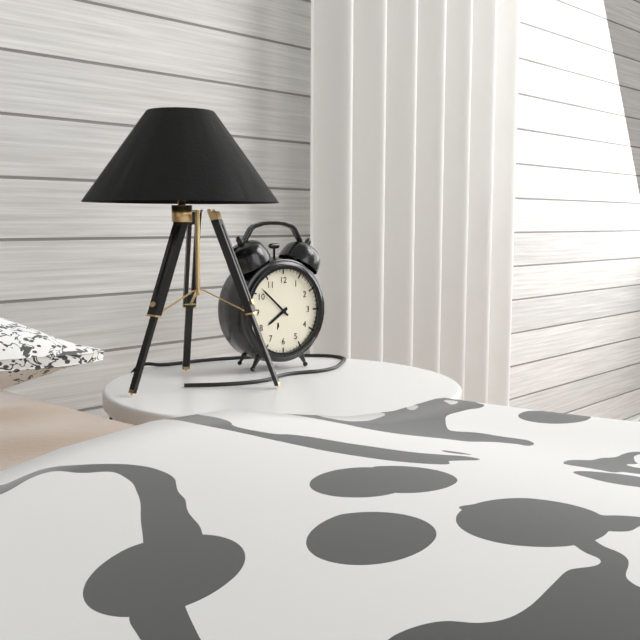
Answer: h=7 m=52
